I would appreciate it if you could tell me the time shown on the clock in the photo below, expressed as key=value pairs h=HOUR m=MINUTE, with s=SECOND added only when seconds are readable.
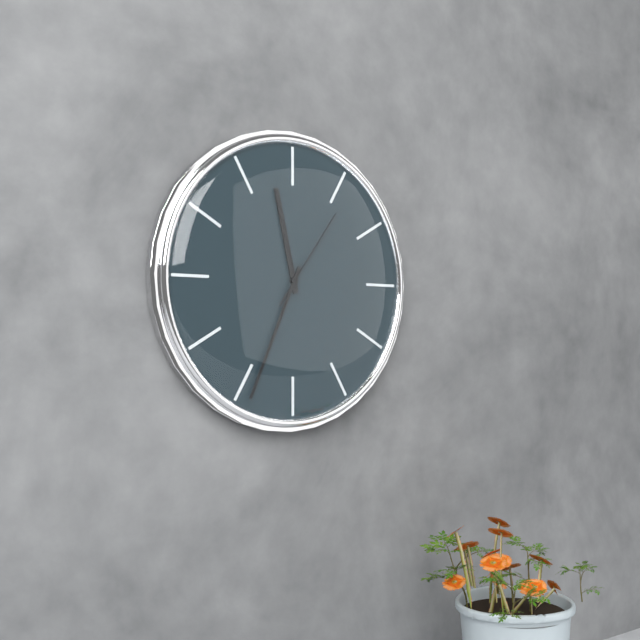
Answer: h=11 m=34 s=6
